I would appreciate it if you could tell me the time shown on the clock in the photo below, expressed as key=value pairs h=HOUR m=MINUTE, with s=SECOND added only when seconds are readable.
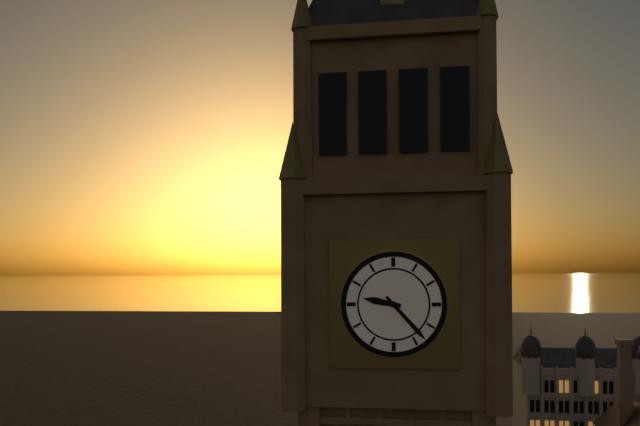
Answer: h=9 m=23
